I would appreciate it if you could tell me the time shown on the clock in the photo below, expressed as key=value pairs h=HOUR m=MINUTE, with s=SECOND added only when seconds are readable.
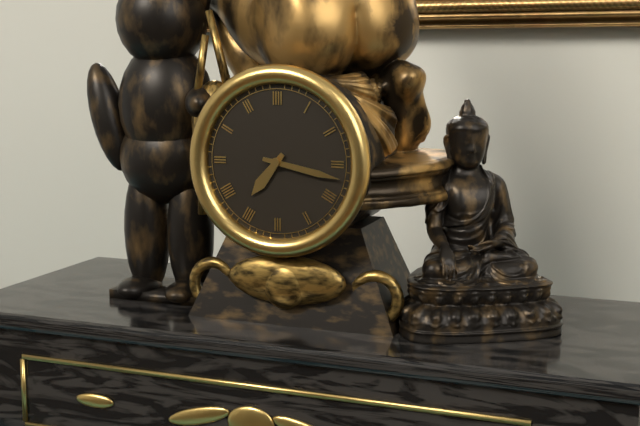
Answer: h=7 m=17
